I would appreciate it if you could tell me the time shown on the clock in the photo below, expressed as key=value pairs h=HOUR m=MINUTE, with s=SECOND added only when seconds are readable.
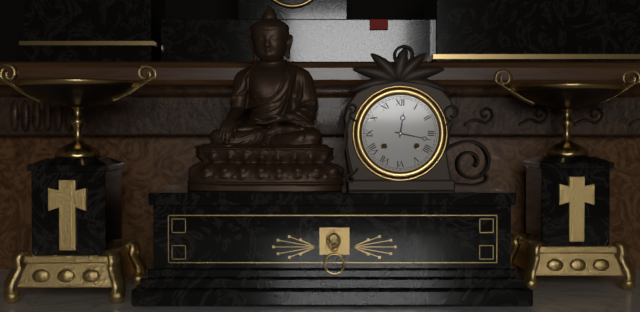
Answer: h=12 m=17
